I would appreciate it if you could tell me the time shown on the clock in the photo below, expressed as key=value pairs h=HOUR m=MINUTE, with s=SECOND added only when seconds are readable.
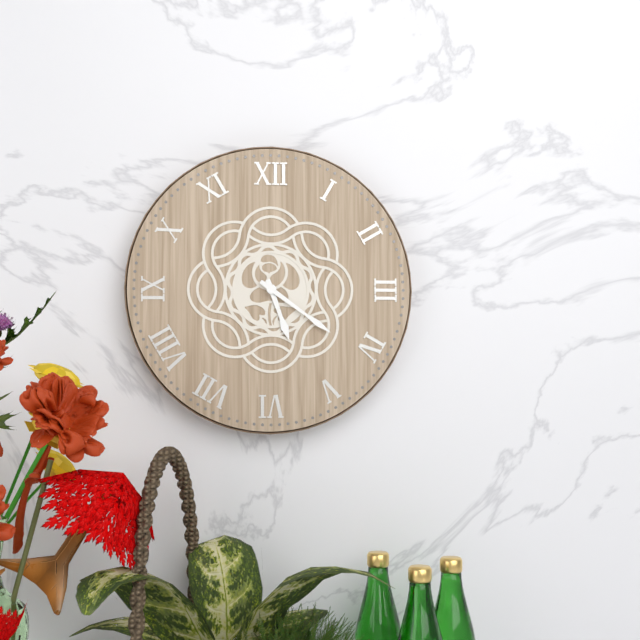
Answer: h=5 m=21
